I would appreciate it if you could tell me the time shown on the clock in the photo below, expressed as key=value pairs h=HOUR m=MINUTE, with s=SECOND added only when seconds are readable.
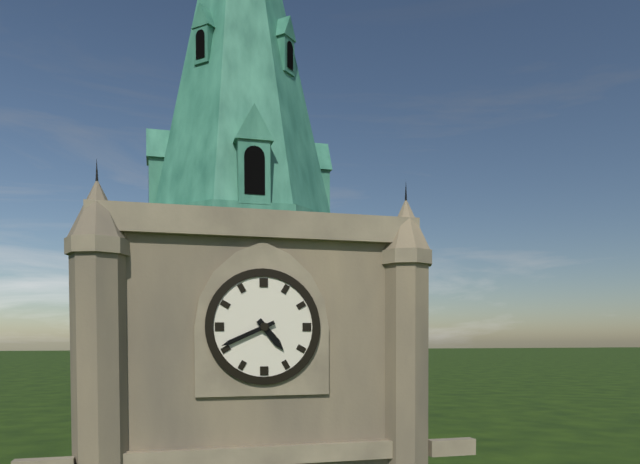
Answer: h=4 m=41
